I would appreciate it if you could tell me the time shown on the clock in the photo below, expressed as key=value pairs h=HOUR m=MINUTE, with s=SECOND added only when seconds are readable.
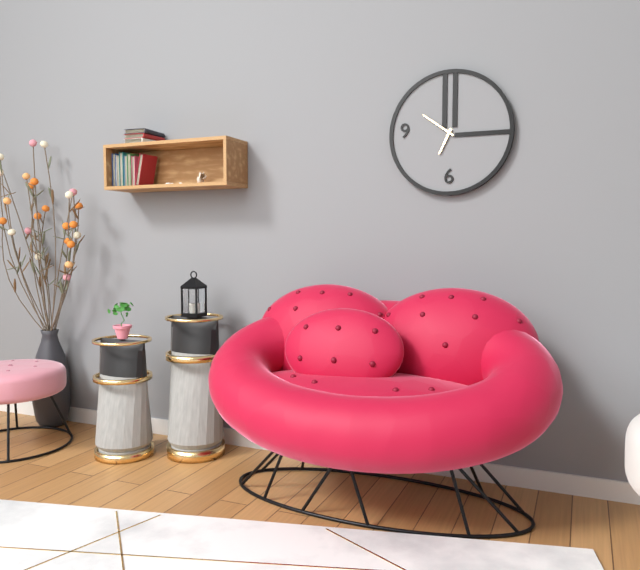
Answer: h=6 m=51
